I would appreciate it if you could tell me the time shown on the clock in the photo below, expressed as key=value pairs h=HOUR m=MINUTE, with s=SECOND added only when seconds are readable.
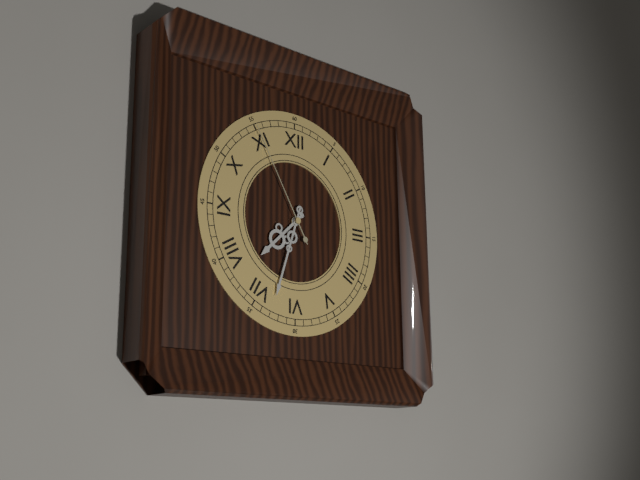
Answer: h=7 m=33 s=55
